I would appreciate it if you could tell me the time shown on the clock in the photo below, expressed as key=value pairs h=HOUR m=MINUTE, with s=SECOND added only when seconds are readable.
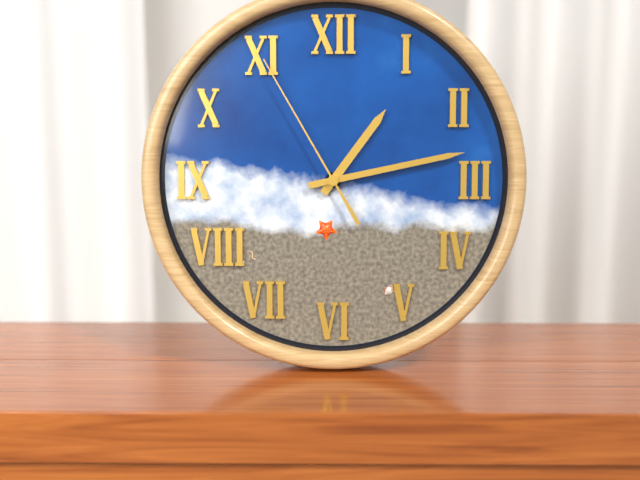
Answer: h=1 m=13 s=55
